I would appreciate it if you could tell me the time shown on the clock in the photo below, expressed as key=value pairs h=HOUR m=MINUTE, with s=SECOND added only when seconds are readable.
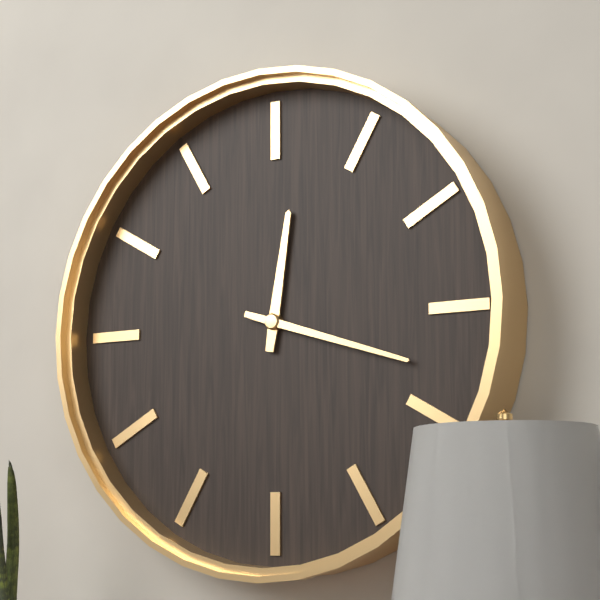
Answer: h=12 m=18
